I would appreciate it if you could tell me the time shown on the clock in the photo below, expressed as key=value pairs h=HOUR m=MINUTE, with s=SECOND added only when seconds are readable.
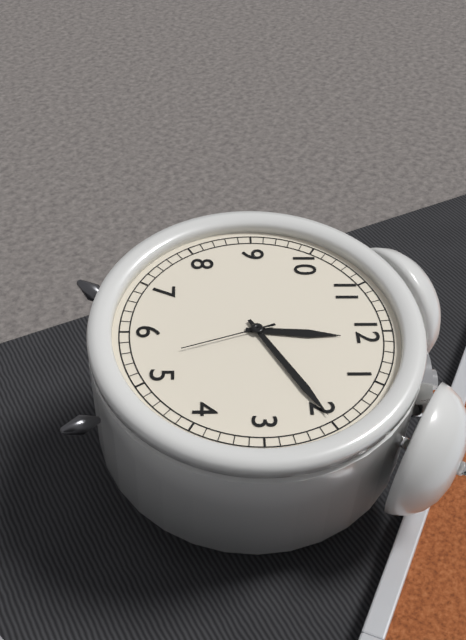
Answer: h=12 m=10 s=27
